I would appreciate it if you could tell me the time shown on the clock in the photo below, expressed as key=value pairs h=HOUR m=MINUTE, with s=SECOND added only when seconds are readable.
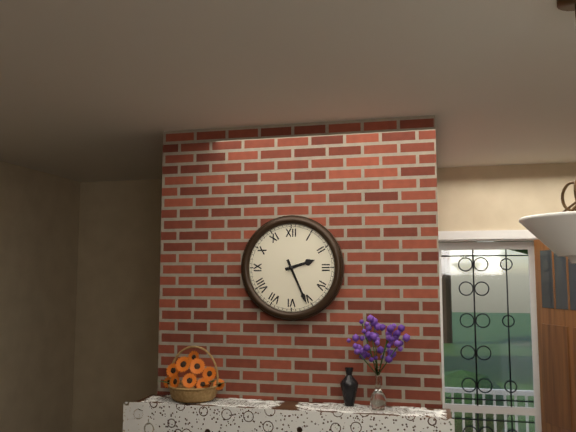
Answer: h=2 m=26
